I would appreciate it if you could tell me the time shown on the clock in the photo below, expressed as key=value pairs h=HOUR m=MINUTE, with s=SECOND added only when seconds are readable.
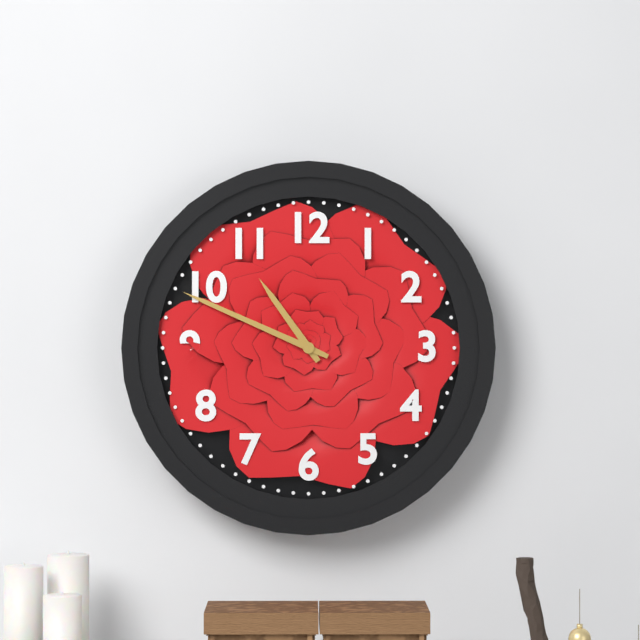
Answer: h=10 m=49
